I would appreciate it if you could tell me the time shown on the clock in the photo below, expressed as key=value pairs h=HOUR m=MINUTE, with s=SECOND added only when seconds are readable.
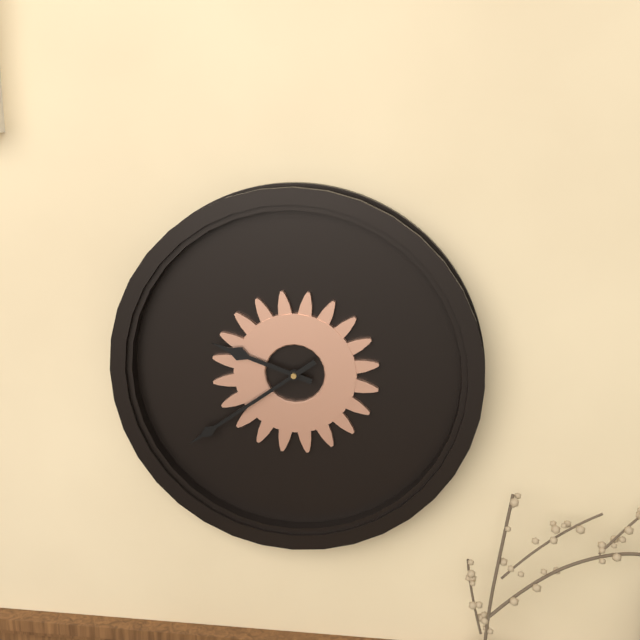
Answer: h=9 m=39
